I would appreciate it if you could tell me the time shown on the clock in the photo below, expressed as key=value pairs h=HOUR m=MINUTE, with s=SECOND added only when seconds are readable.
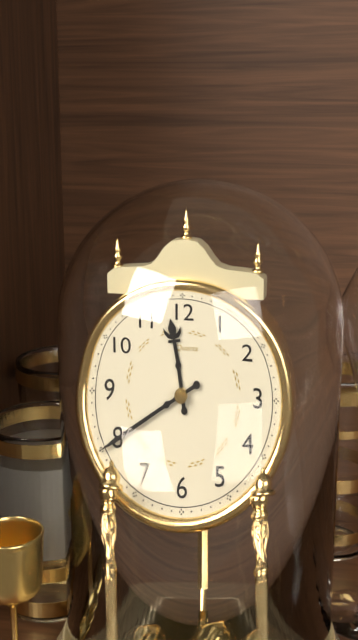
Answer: h=11 m=40
